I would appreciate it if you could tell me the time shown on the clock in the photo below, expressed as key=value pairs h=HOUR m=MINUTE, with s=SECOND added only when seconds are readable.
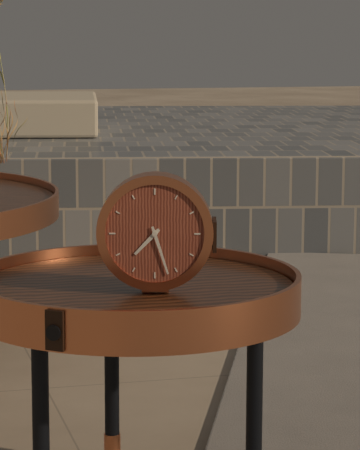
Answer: h=7 m=27
